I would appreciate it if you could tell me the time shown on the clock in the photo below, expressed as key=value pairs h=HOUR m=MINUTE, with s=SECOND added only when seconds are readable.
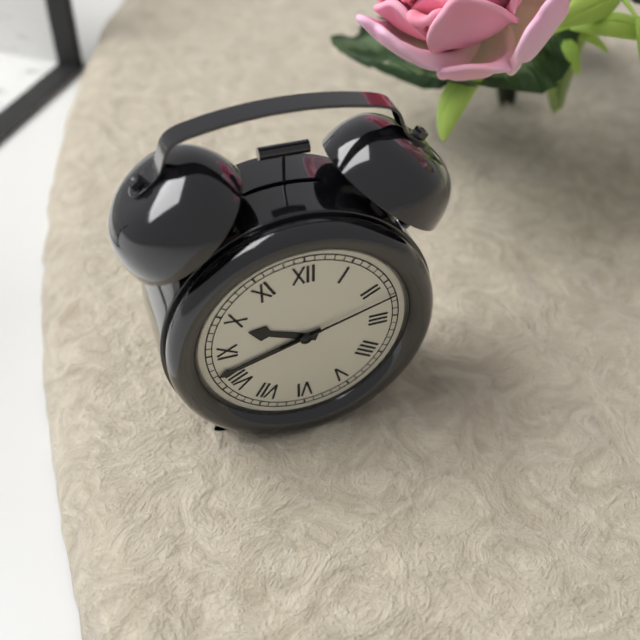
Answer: h=9 m=42 s=12
